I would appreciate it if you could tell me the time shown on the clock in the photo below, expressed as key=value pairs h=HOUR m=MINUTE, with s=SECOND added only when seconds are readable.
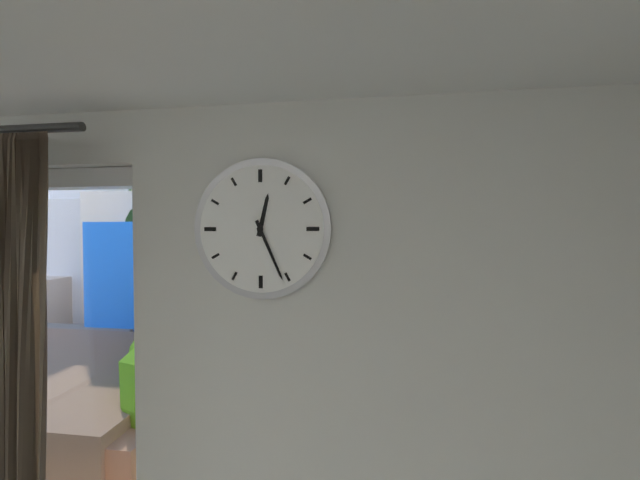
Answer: h=12 m=26
